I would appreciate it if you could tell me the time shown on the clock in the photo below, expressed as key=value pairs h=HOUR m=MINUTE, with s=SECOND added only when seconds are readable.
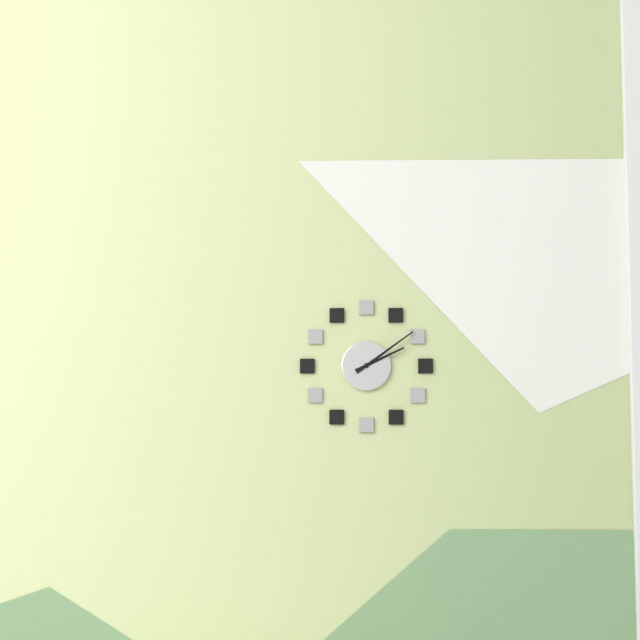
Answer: h=2 m=9
